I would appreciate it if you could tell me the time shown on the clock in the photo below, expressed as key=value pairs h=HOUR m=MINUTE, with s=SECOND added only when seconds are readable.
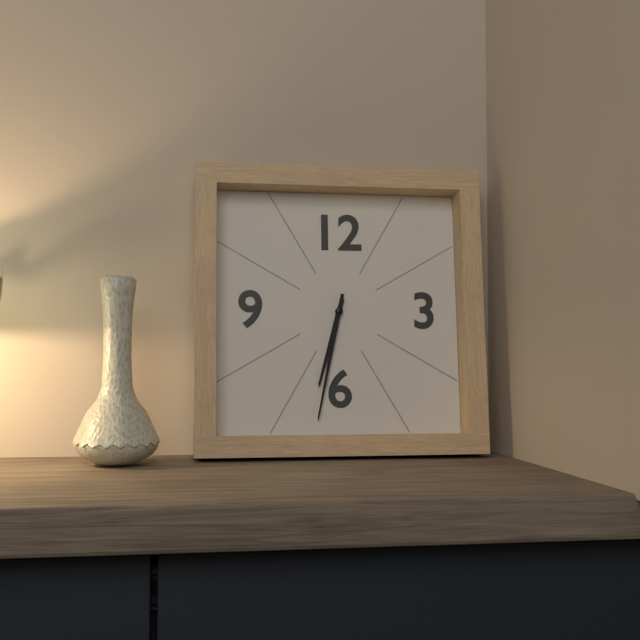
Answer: h=6 m=32
